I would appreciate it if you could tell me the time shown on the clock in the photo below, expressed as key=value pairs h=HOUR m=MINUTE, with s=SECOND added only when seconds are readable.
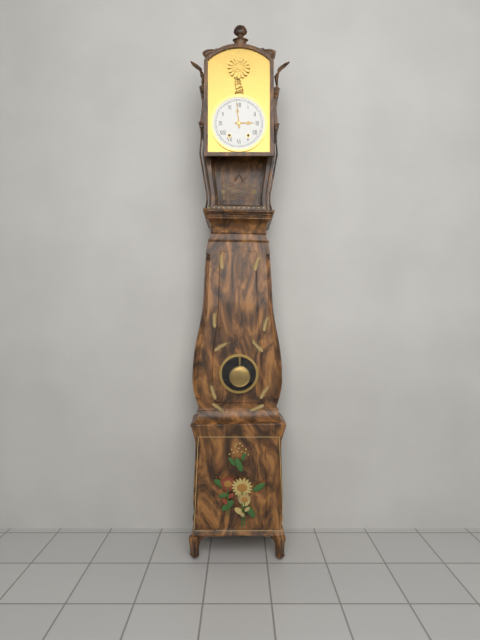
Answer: h=2 m=59
